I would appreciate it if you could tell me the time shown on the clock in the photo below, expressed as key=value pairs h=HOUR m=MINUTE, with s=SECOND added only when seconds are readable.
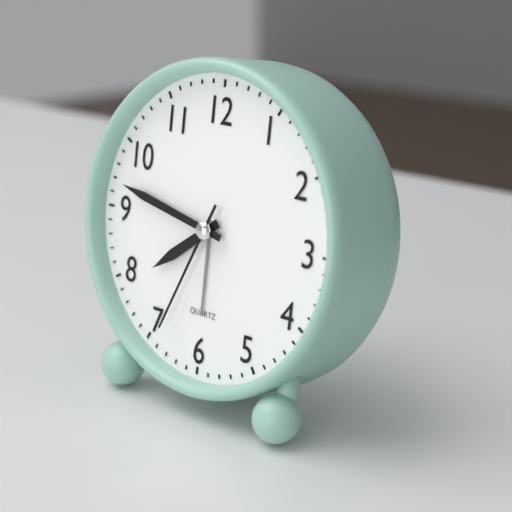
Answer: h=7 m=47 s=34
